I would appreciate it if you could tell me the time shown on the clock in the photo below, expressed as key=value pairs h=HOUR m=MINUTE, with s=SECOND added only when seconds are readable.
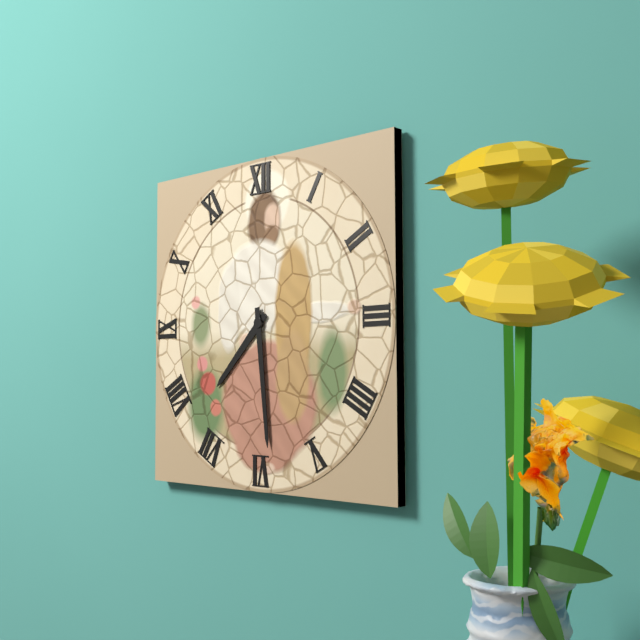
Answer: h=7 m=29
